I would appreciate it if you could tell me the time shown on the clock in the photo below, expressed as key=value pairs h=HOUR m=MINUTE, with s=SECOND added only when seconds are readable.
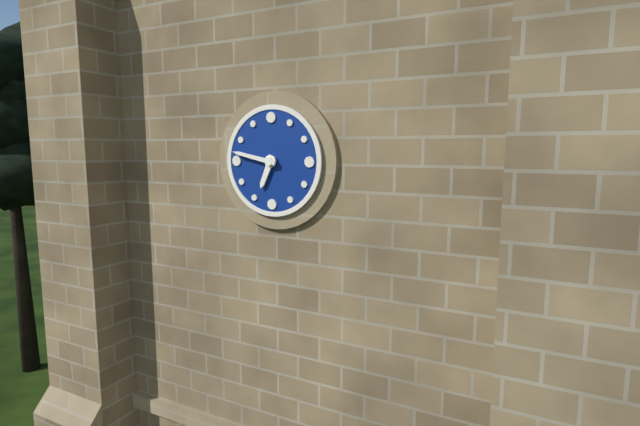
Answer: h=6 m=47
